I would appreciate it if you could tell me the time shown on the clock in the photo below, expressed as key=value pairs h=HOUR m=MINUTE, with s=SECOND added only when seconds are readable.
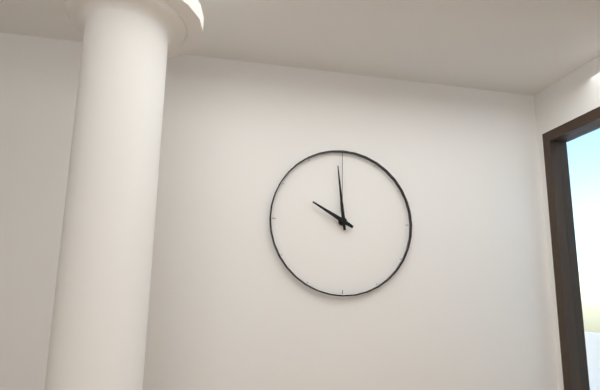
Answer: h=9 m=59
